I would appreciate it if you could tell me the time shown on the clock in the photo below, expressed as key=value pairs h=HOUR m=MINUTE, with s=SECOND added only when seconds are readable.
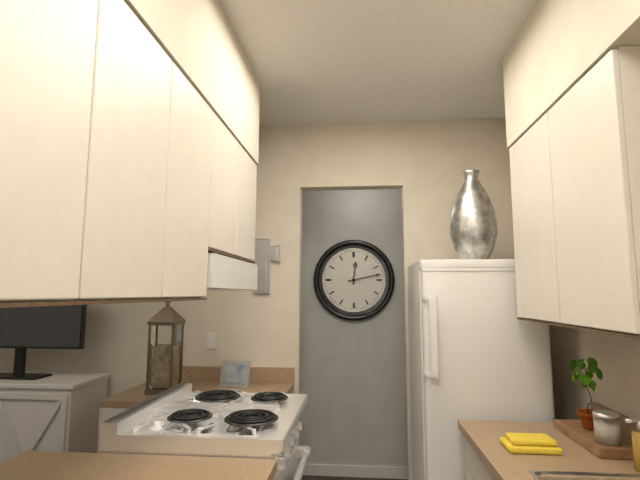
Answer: h=12 m=13
